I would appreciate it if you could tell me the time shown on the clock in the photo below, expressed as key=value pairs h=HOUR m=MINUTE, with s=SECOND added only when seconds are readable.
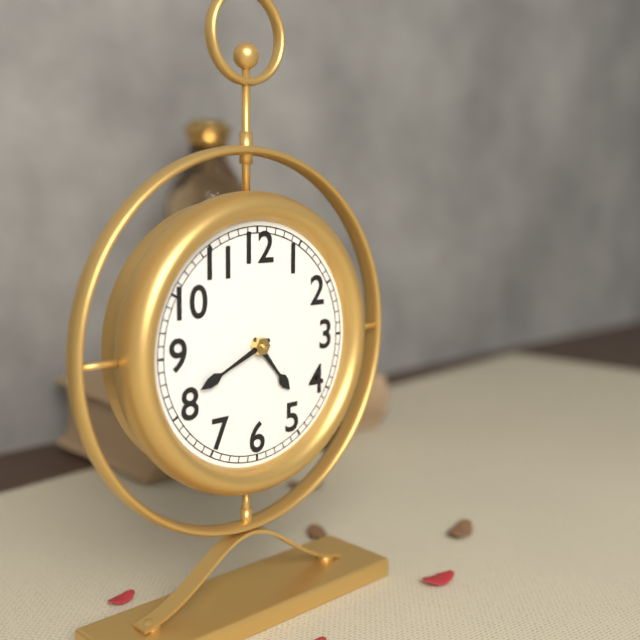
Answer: h=4 m=41
